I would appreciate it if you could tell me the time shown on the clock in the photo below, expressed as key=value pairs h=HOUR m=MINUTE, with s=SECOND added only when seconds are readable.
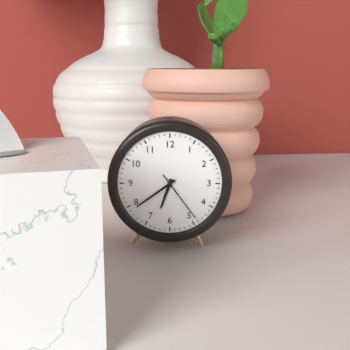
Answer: h=6 m=39 s=24
